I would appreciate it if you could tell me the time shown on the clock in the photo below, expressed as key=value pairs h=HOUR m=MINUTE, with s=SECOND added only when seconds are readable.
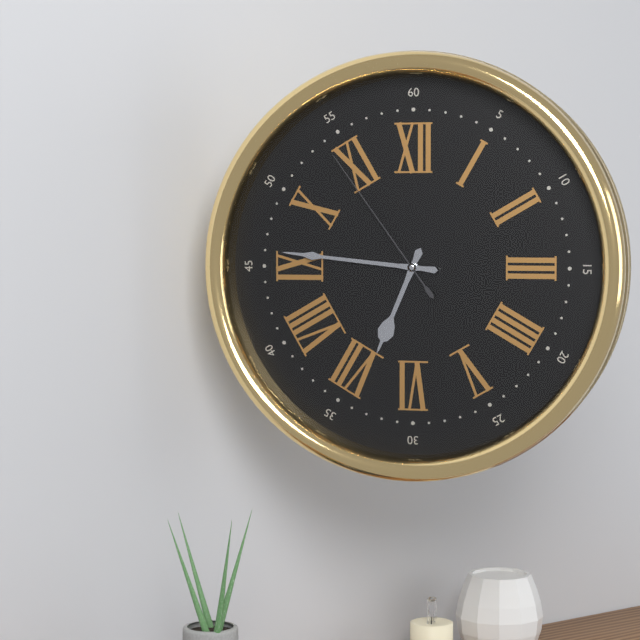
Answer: h=6 m=46 s=54
